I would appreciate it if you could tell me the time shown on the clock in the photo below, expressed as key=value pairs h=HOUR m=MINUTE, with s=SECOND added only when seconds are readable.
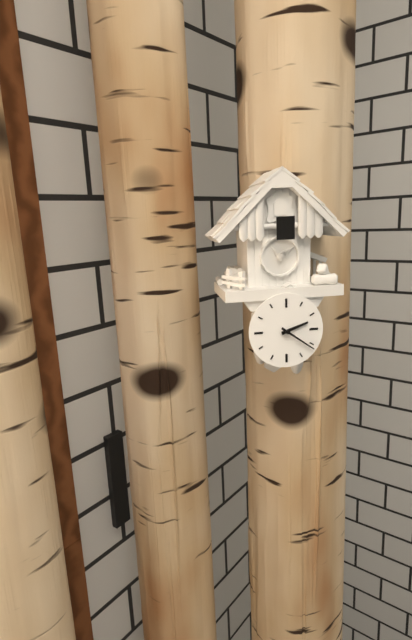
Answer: h=2 m=21
